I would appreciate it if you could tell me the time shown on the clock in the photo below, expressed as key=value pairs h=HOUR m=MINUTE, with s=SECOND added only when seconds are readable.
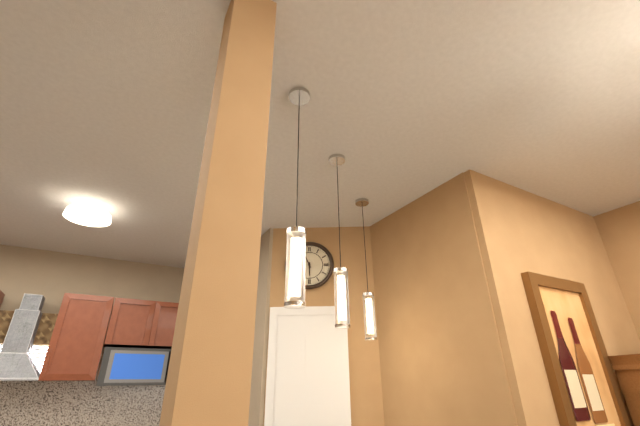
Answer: h=5 m=56
